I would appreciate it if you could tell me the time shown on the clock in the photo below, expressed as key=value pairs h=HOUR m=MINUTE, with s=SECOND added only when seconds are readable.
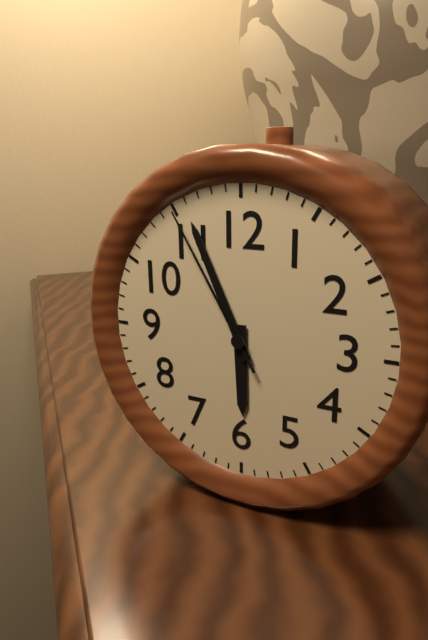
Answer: h=5 m=56 s=55
